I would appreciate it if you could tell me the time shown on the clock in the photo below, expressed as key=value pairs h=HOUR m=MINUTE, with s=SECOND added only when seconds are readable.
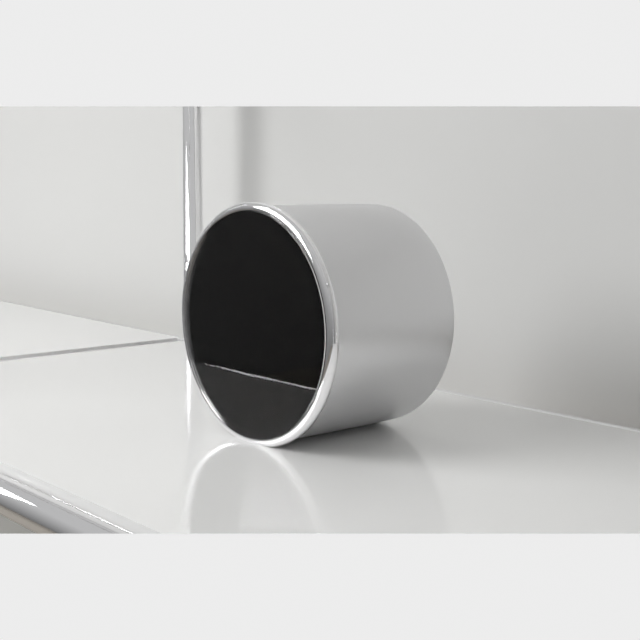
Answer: h=9 m=3 s=18
